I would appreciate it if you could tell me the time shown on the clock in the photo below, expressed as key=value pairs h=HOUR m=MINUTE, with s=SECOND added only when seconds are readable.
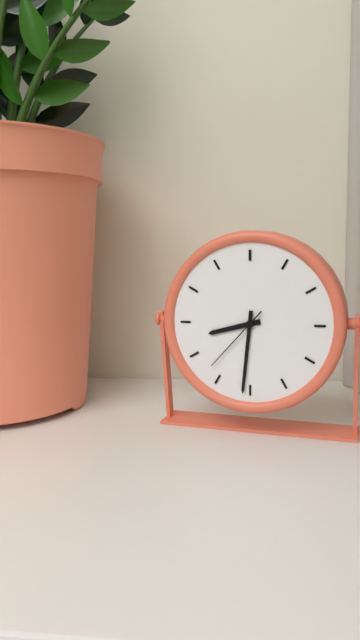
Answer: h=8 m=31 s=37
